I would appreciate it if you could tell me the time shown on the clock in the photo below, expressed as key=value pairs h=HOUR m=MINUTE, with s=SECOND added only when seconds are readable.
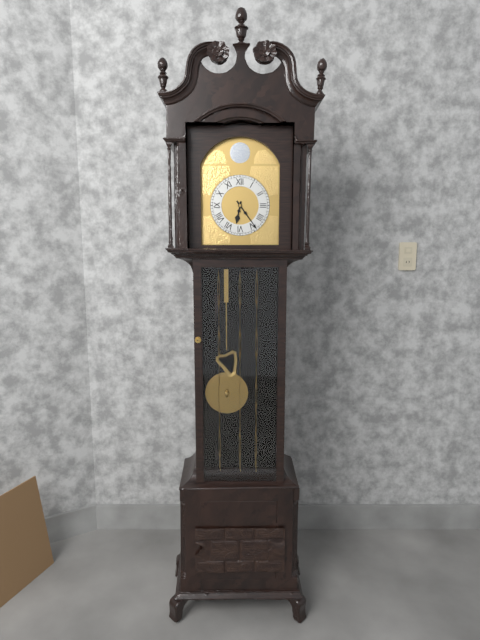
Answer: h=6 m=24
